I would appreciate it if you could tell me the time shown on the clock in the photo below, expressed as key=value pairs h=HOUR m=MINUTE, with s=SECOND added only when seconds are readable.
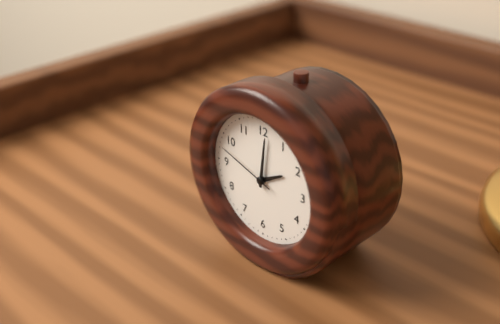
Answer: h=2 m=1 s=48
